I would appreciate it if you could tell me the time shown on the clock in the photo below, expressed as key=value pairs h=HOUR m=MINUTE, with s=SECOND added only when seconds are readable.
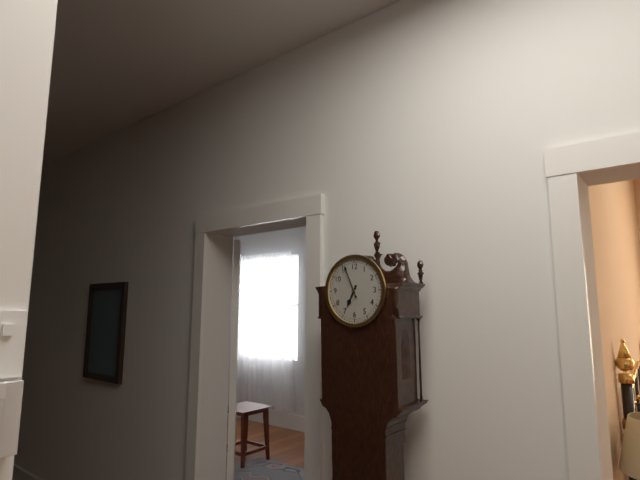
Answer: h=6 m=56
